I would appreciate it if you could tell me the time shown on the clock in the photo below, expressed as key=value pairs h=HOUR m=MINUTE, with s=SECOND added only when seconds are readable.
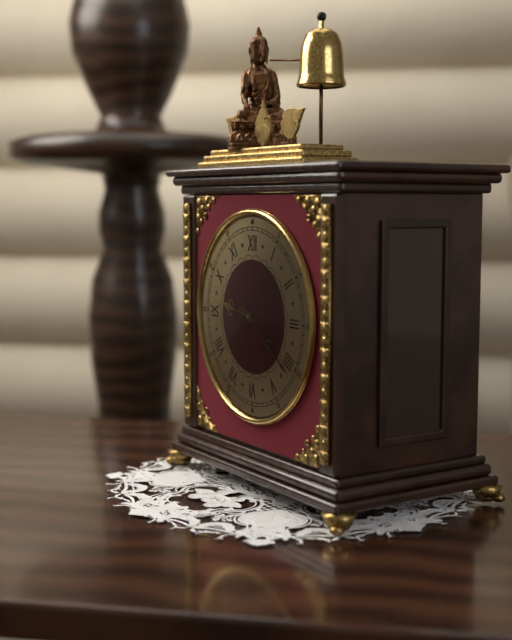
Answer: h=9 m=21
